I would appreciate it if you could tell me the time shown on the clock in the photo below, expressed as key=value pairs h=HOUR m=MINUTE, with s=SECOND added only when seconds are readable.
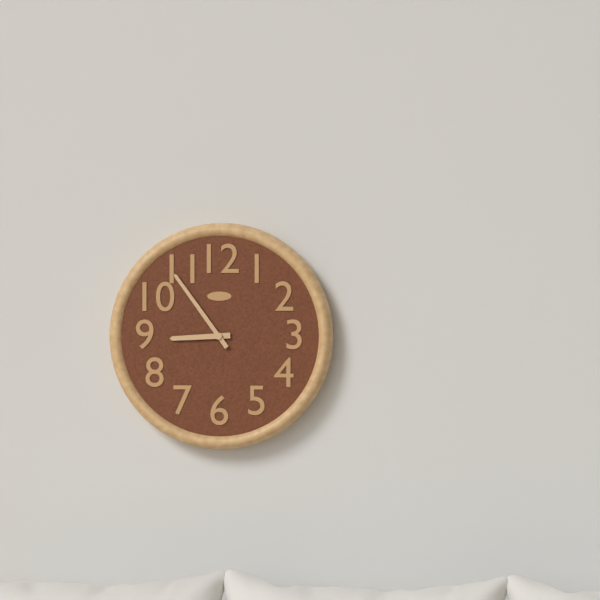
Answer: h=8 m=54
